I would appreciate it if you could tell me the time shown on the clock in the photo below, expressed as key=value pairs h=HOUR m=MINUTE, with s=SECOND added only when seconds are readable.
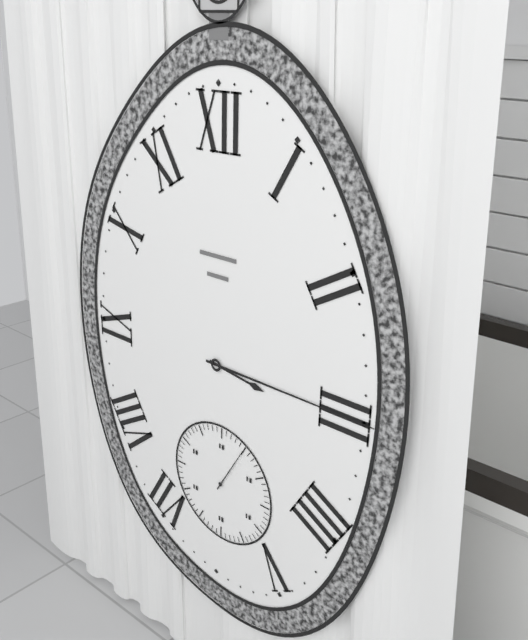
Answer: h=3 m=15
